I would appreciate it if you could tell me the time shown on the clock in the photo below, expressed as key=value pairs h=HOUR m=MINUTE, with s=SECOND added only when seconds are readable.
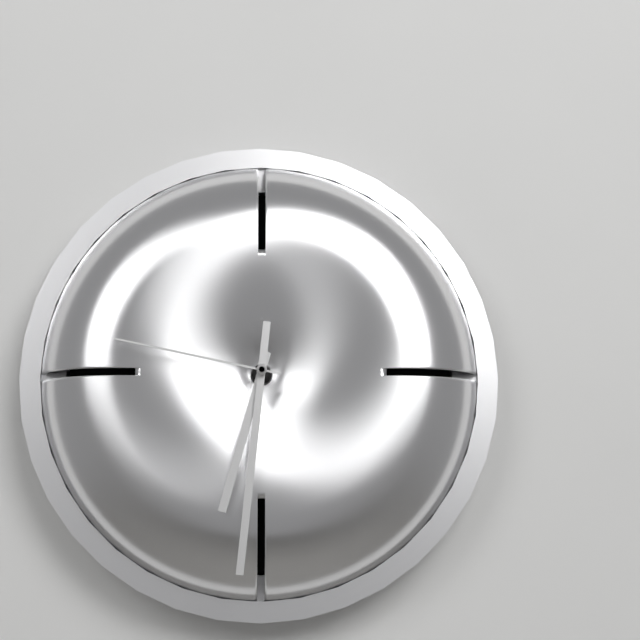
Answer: h=6 m=31 s=47
